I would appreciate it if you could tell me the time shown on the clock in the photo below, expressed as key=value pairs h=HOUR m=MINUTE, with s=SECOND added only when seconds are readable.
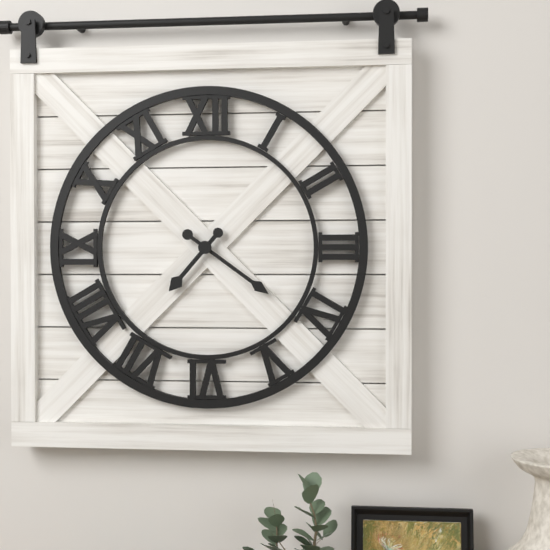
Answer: h=7 m=21
